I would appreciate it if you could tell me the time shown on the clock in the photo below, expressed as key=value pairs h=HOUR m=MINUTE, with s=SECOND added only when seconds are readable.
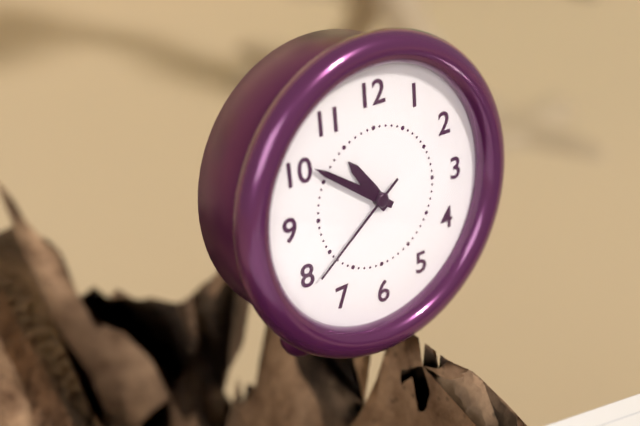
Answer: h=10 m=51 s=39
